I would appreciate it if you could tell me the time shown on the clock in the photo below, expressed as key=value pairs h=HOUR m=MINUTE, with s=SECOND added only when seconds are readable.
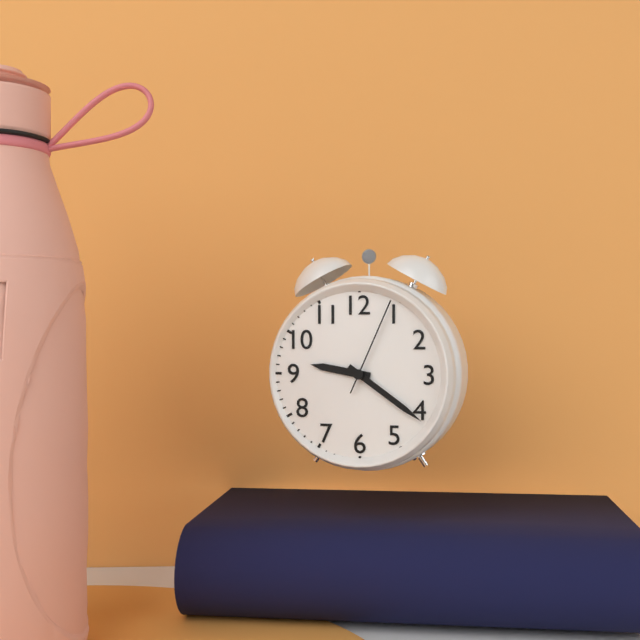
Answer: h=9 m=21 s=4
